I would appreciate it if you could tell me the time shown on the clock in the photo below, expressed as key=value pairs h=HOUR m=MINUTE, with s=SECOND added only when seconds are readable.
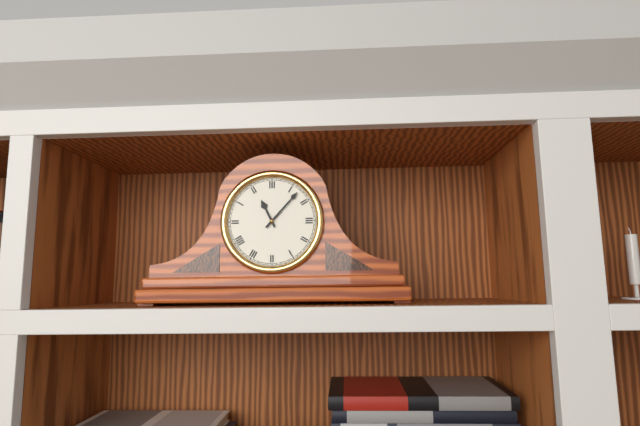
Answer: h=11 m=7
